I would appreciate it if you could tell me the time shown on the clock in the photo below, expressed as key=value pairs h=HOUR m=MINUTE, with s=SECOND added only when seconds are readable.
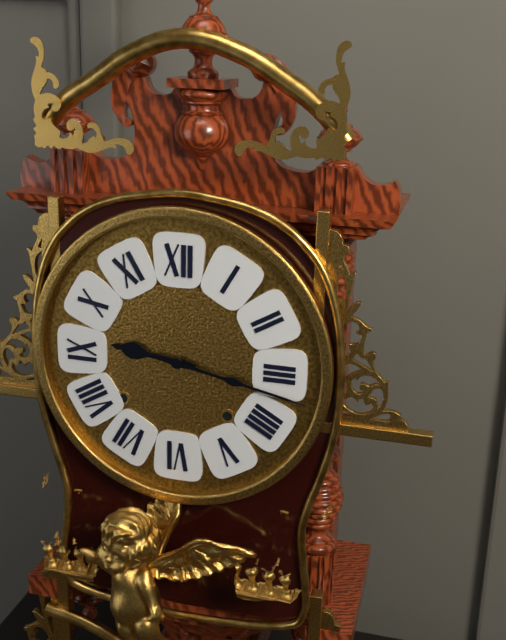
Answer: h=9 m=17
